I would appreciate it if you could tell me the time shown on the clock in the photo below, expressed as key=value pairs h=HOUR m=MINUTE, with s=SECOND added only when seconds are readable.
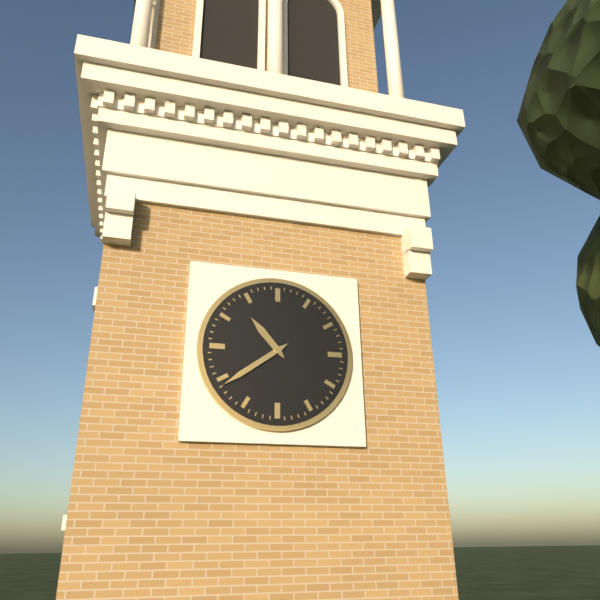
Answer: h=10 m=39
